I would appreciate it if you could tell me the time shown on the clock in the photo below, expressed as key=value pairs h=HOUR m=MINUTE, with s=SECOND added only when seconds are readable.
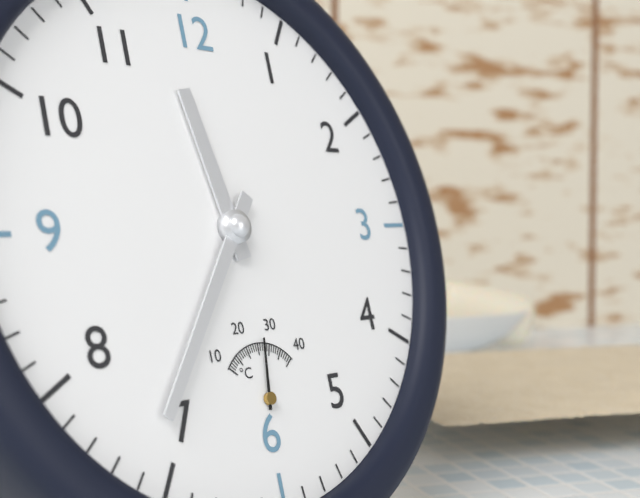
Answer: h=11 m=36
